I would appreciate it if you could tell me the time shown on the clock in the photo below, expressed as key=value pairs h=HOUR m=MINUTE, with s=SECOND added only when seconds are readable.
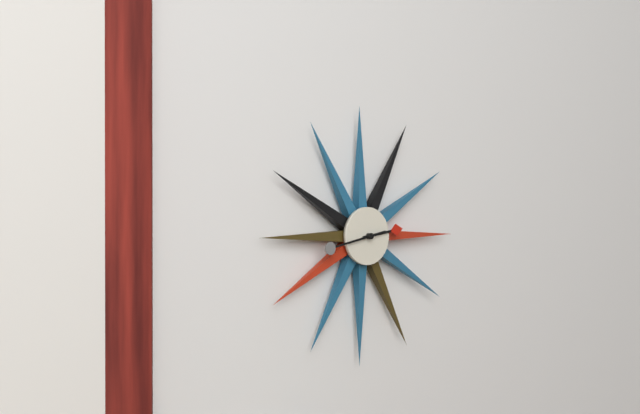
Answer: h=2 m=43
